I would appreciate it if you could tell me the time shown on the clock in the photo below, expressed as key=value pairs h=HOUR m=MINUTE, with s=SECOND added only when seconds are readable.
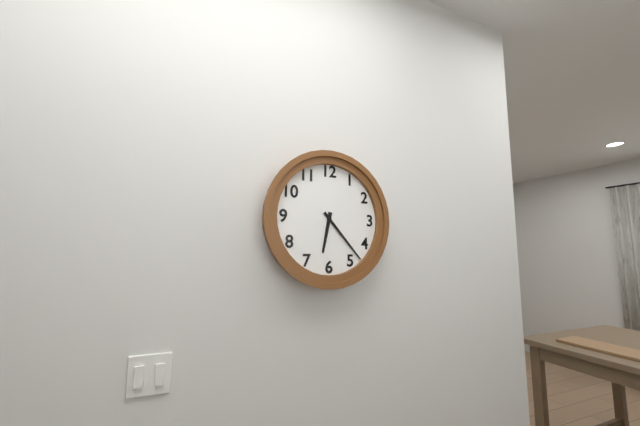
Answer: h=6 m=23
